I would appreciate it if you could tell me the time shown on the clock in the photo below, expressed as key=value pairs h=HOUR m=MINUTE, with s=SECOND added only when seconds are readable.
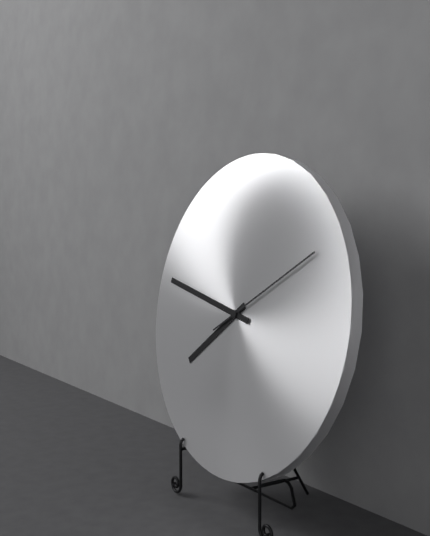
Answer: h=7 m=47 s=10
